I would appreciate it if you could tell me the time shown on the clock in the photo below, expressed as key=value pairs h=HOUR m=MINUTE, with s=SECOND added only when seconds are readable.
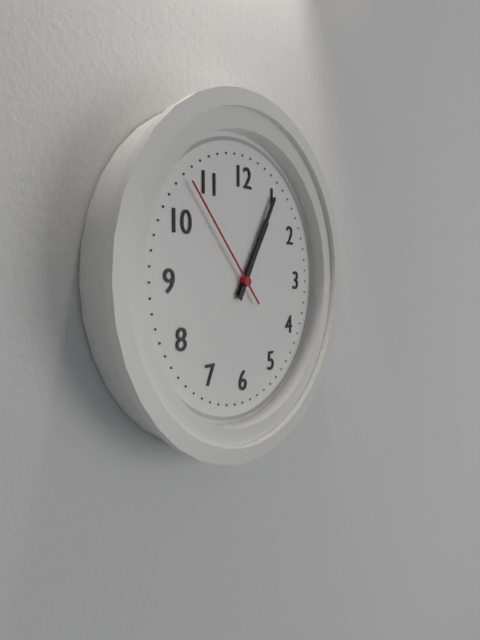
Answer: h=1 m=5 s=53
